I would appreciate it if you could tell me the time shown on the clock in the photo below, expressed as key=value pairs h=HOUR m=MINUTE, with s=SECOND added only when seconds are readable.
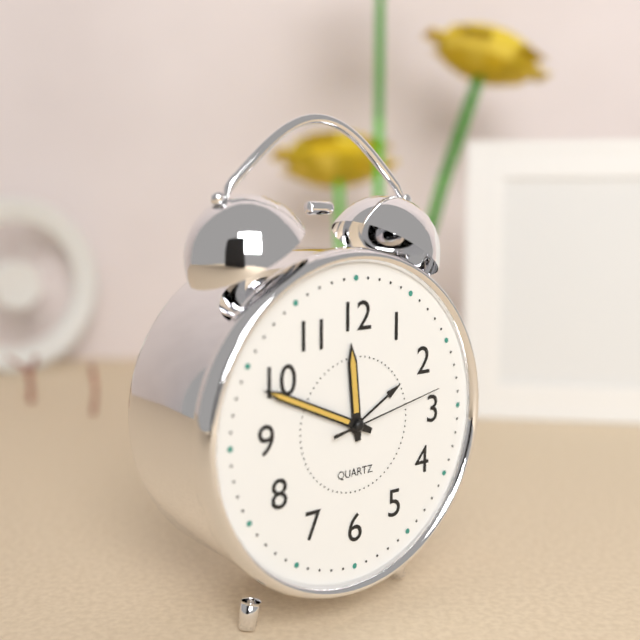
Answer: h=11 m=49 s=13
